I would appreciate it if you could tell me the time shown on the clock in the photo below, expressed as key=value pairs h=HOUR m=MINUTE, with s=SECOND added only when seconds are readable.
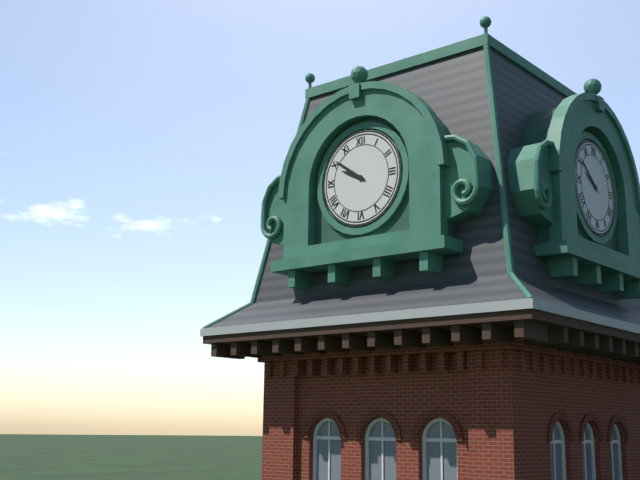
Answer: h=9 m=51
